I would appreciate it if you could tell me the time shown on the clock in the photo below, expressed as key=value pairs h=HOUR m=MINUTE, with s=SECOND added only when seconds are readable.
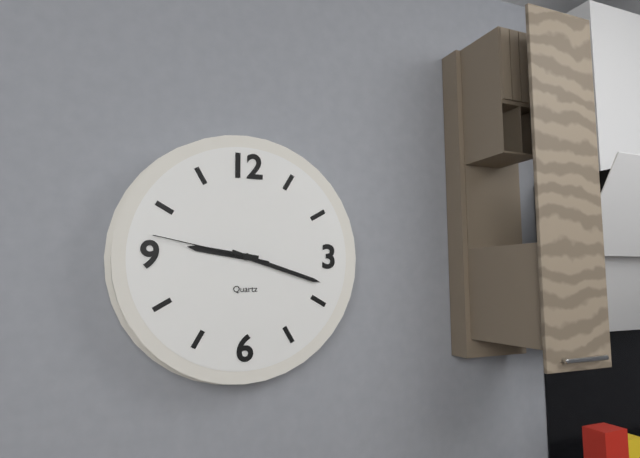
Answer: h=9 m=18 s=47
